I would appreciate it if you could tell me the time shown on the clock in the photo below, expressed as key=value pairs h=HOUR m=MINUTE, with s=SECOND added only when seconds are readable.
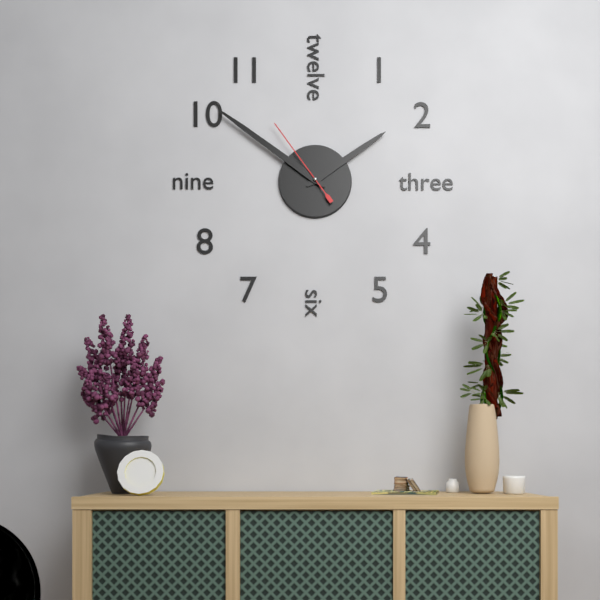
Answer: h=1 m=51 s=54
